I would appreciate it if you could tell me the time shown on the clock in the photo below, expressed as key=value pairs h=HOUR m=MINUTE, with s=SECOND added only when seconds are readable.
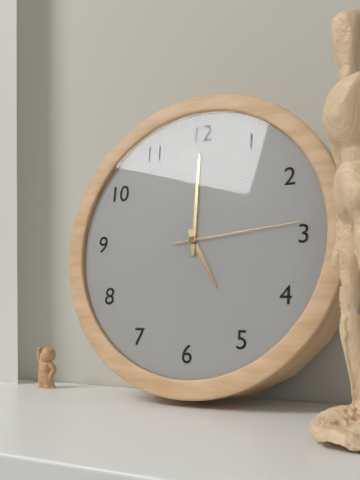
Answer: h=5 m=0 s=14
